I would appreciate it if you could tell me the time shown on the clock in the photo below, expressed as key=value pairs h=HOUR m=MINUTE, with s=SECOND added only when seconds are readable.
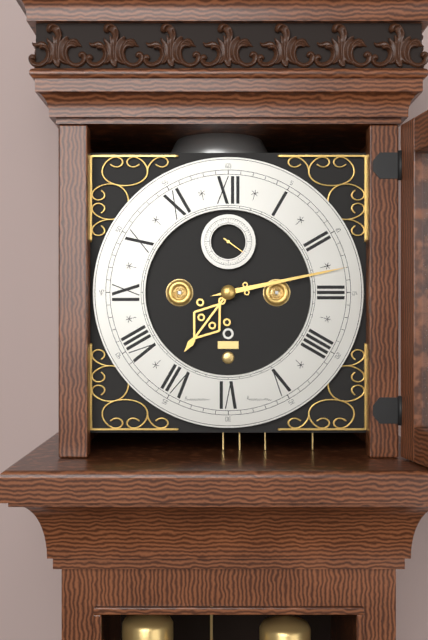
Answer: h=7 m=13
